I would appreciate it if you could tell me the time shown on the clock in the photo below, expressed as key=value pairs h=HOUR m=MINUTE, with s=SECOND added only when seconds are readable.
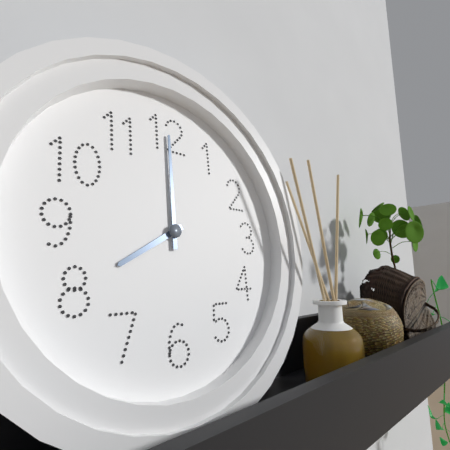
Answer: h=8 m=0
